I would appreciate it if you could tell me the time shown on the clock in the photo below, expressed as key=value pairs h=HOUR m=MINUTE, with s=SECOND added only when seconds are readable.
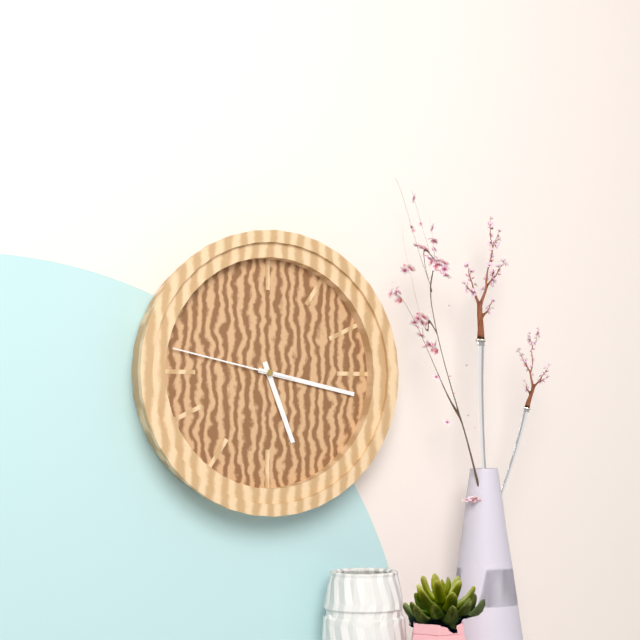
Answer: h=5 m=17 s=47
